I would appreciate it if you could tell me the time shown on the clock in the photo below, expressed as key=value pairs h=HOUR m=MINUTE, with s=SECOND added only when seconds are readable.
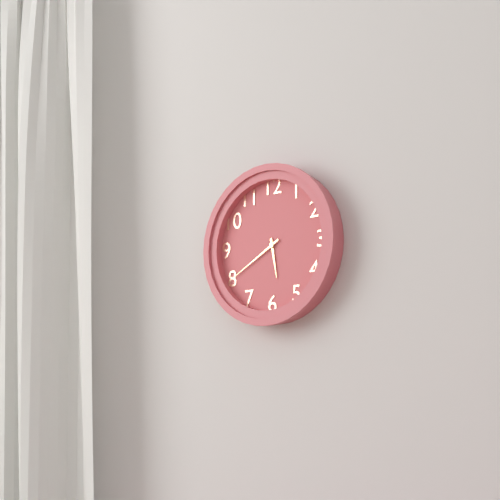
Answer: h=5 m=40
